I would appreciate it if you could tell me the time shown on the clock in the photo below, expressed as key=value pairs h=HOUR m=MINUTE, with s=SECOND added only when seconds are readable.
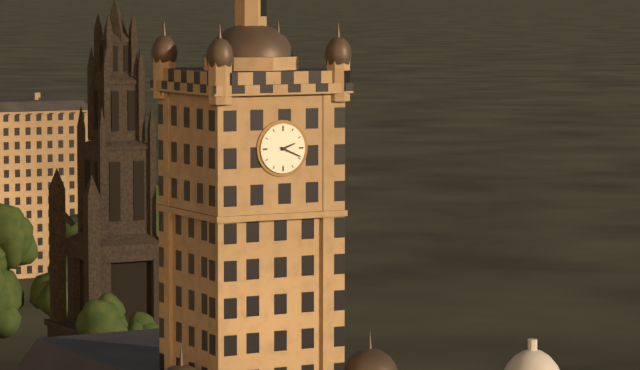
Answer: h=2 m=19
